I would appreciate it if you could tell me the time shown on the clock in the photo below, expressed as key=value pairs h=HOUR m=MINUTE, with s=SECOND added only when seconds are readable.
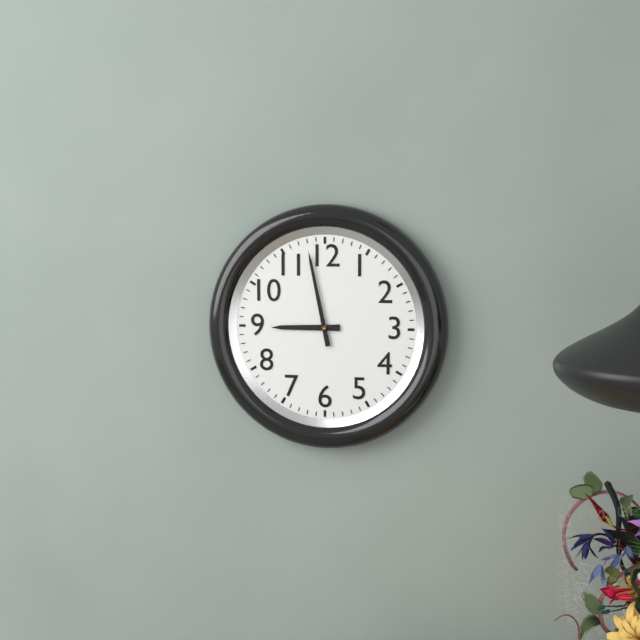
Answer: h=8 m=58
